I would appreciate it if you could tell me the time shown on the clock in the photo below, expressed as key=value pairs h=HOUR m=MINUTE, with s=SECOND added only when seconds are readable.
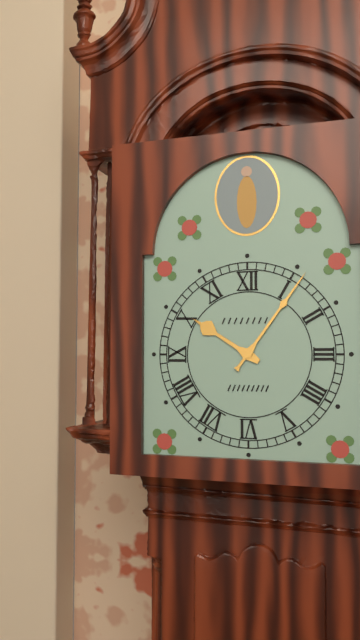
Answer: h=10 m=6
